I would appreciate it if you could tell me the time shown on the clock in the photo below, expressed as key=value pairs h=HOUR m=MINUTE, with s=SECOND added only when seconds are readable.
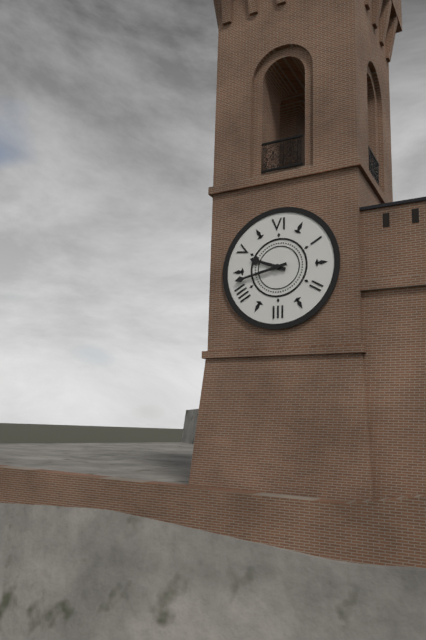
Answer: h=9 m=43
